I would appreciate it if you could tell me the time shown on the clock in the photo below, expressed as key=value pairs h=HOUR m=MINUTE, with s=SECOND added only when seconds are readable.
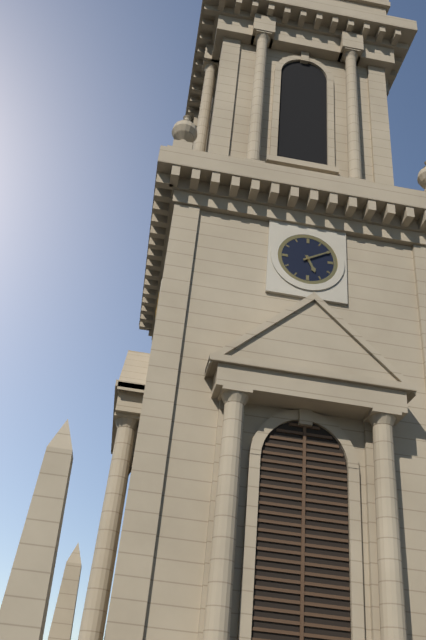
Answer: h=5 m=10
